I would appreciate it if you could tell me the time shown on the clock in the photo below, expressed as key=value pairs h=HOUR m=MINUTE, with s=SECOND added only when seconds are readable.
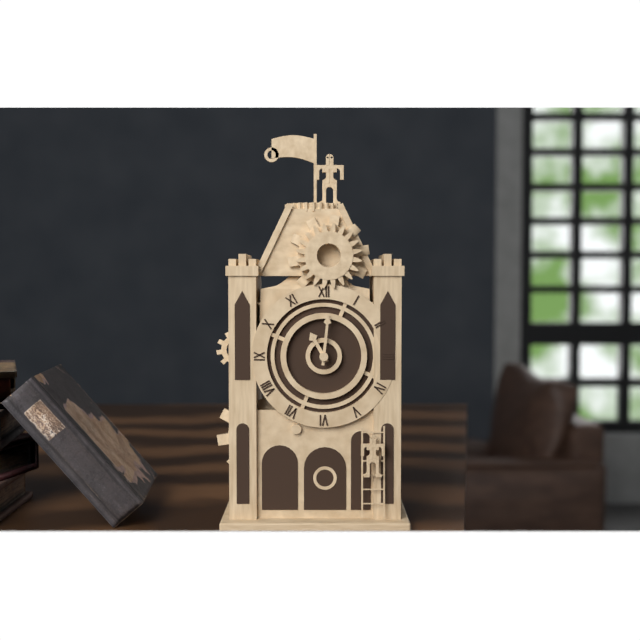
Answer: h=11 m=1
